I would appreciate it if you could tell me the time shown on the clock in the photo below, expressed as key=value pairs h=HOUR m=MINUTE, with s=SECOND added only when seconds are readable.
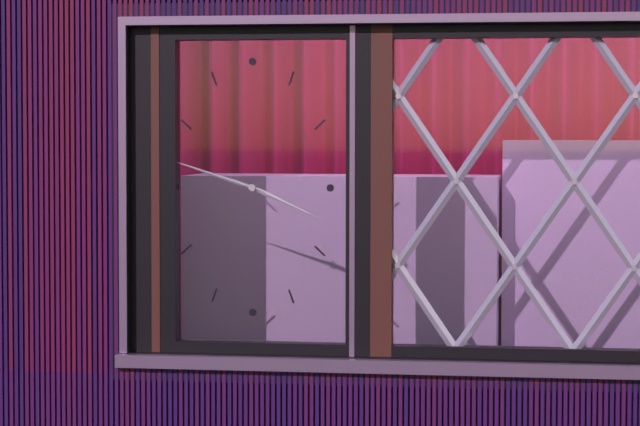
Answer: h=3 m=48
